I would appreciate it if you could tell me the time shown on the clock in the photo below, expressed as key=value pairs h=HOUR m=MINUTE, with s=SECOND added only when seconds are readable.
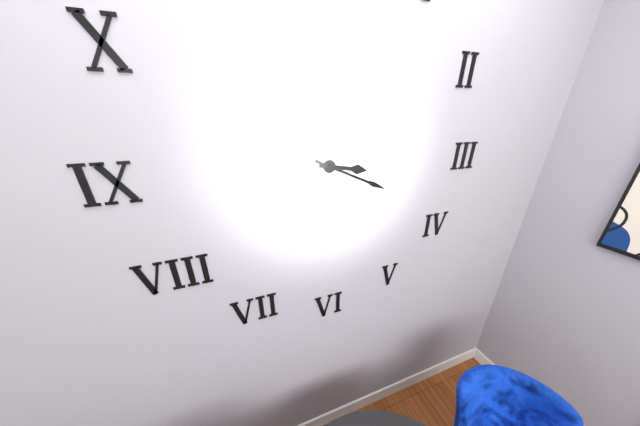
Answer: h=3 m=19
